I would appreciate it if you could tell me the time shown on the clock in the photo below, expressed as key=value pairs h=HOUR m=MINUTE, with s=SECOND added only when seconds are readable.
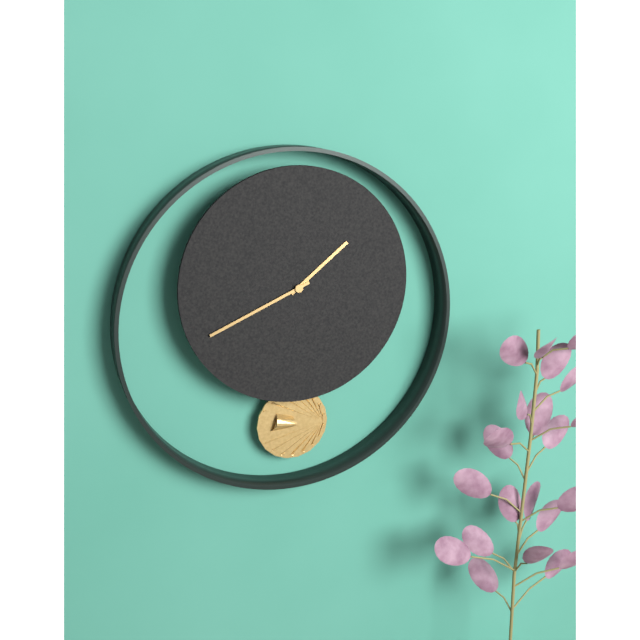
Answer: h=1 m=41
